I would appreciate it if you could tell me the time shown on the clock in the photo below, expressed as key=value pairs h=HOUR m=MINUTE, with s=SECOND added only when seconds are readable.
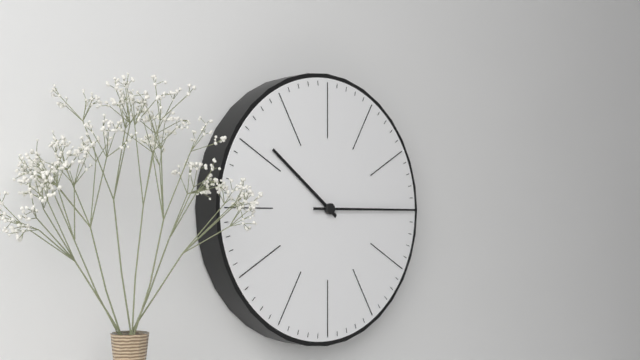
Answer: h=10 m=15
